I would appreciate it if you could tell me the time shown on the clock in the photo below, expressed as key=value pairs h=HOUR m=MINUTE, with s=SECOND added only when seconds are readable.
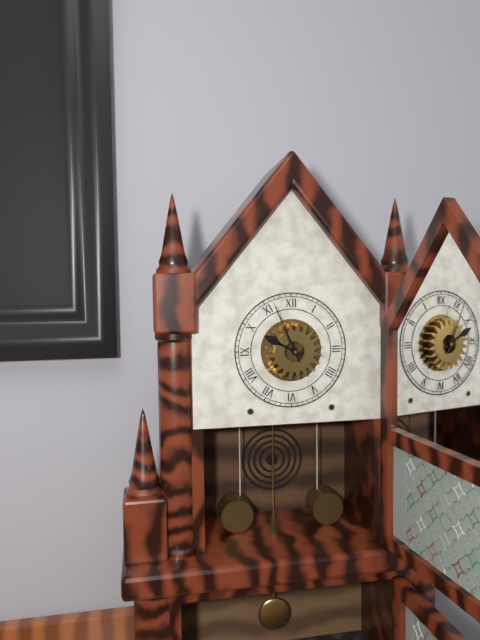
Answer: h=9 m=56
